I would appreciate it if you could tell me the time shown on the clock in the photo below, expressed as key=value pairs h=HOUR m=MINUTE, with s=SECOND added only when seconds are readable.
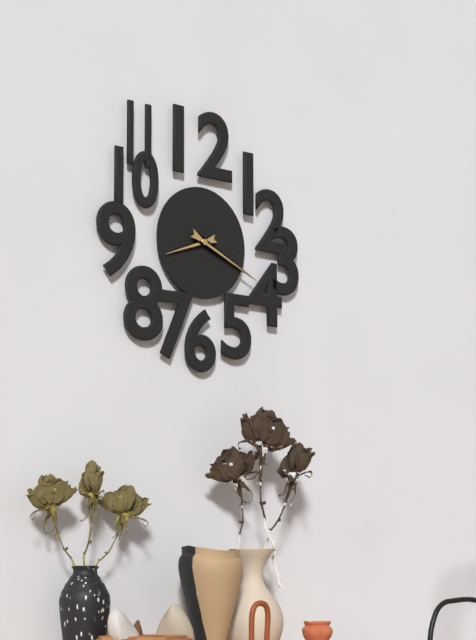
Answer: h=8 m=19
